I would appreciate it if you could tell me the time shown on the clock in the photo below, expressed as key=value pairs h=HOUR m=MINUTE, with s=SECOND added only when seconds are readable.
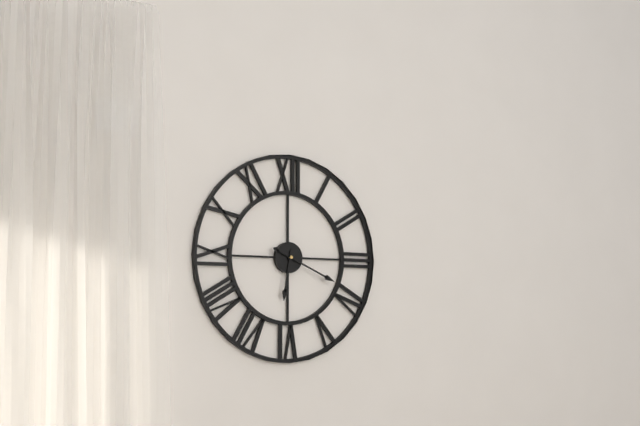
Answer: h=6 m=19
